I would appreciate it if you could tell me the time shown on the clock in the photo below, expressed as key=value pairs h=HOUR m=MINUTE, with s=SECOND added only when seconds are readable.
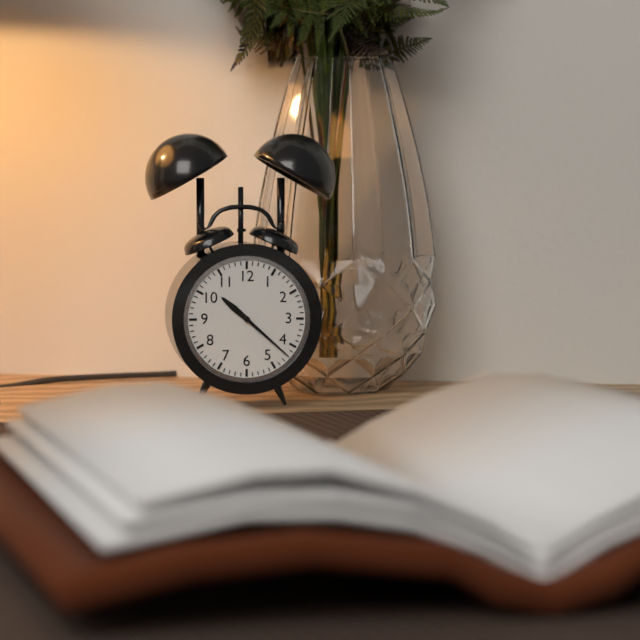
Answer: h=10 m=22
